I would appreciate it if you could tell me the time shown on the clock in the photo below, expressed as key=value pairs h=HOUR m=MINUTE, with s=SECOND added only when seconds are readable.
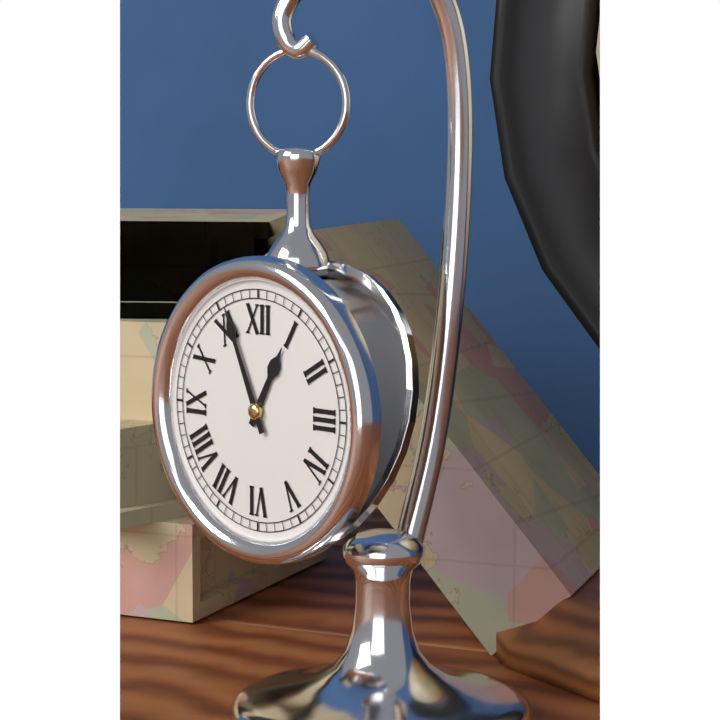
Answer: h=12 m=56
